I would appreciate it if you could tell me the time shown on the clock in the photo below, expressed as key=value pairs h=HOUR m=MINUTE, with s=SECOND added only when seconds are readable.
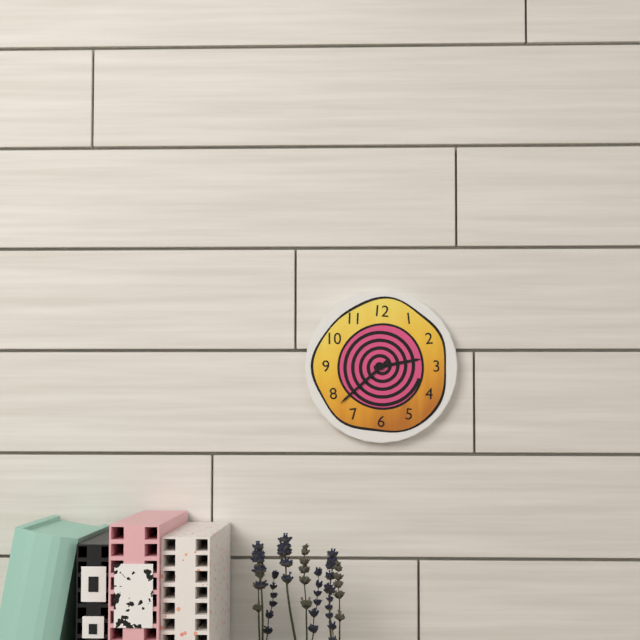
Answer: h=2 m=38
